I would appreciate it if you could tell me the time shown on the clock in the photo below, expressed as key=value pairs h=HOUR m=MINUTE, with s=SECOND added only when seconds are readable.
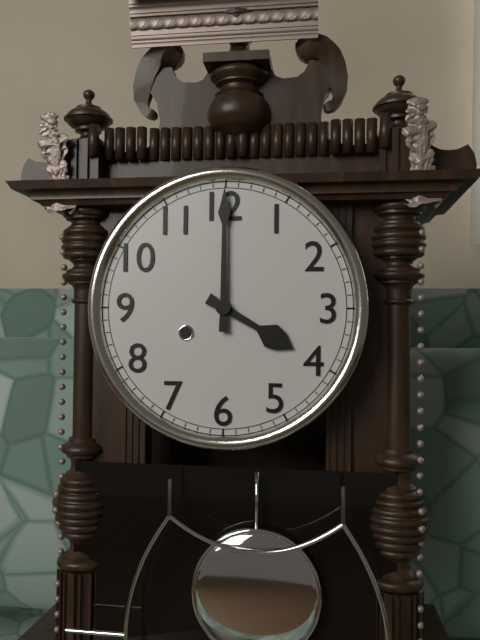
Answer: h=4 m=0
